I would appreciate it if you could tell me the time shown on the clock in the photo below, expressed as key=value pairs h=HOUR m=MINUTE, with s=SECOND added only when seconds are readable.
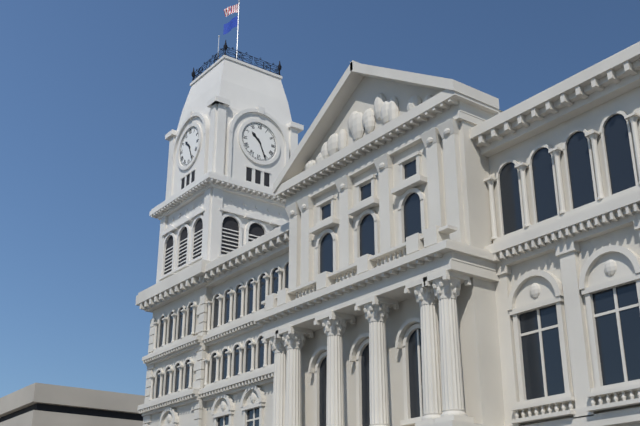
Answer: h=10 m=26
